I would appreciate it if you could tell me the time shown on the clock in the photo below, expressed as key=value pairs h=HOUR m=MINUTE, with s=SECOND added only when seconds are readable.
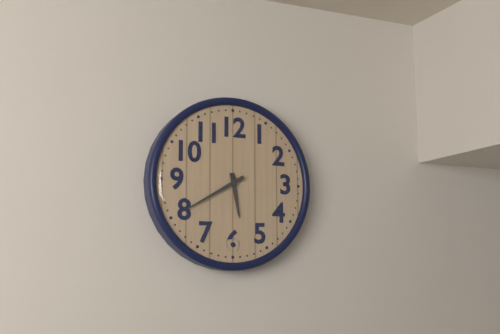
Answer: h=5 m=40
